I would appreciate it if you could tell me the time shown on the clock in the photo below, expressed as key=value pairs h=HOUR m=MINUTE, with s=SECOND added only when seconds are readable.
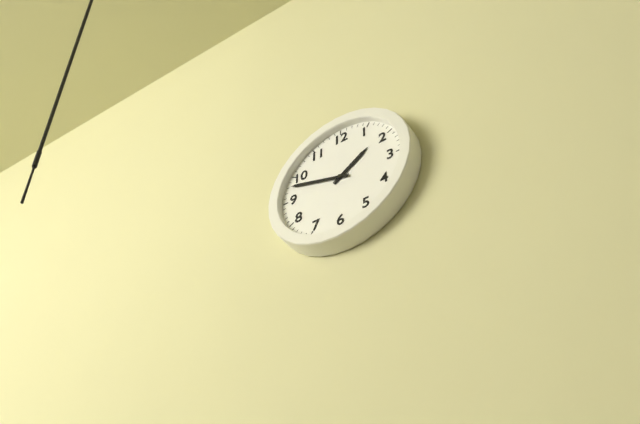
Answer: h=1 m=48
